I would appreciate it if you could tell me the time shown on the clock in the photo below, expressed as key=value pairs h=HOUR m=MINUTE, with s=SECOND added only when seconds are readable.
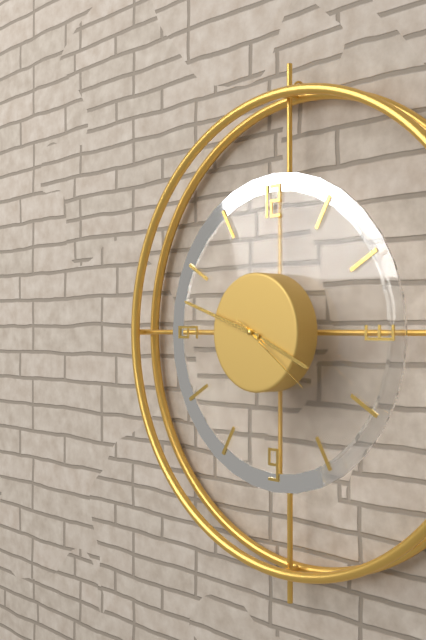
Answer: h=3 m=48 s=21
